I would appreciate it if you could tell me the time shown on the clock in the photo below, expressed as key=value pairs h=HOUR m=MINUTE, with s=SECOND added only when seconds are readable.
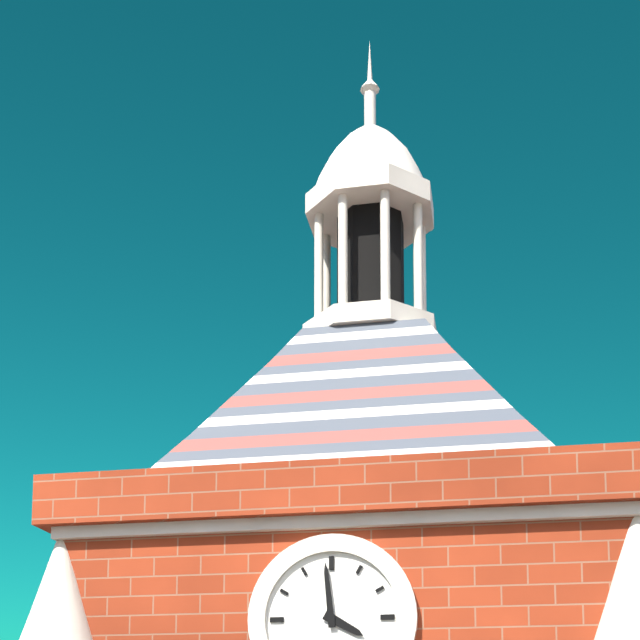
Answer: h=3 m=59
